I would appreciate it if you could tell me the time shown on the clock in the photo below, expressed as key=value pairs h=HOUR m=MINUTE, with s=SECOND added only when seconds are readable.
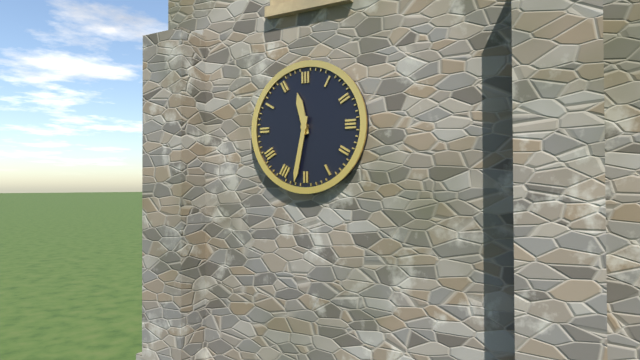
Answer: h=11 m=32
